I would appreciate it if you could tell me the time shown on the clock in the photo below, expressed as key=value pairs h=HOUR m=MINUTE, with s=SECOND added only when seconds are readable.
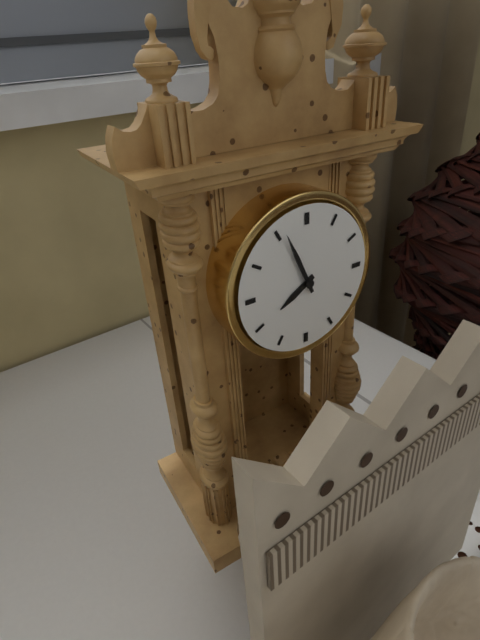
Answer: h=7 m=56
